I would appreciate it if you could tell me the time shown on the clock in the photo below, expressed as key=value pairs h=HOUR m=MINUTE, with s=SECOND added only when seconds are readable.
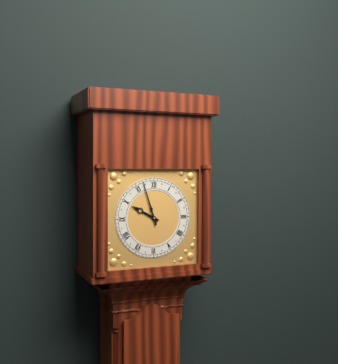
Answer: h=9 m=57
